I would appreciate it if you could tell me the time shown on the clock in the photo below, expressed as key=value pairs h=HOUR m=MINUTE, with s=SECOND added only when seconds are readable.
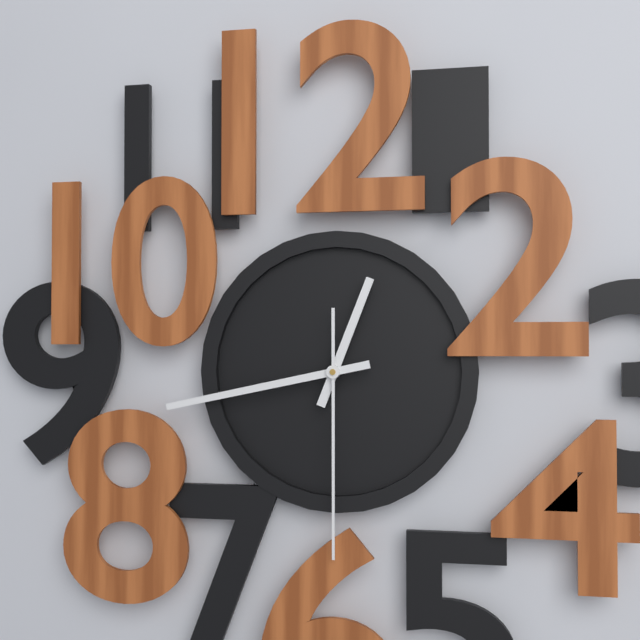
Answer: h=12 m=43 s=30
